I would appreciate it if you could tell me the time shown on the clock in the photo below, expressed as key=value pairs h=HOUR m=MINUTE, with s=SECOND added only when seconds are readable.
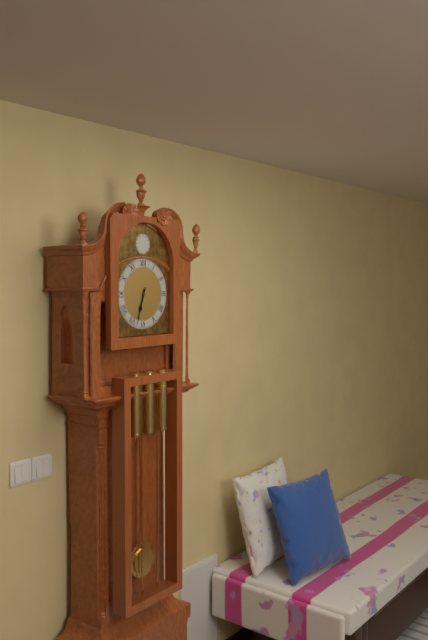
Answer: h=6 m=33
